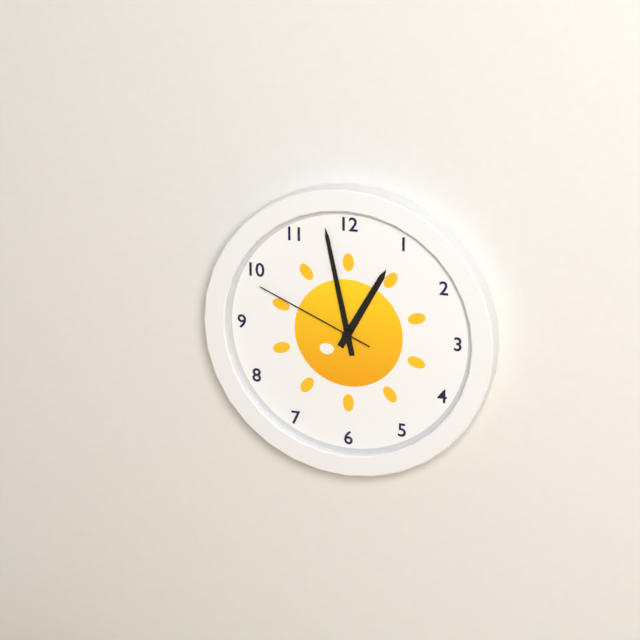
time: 12:58:49
